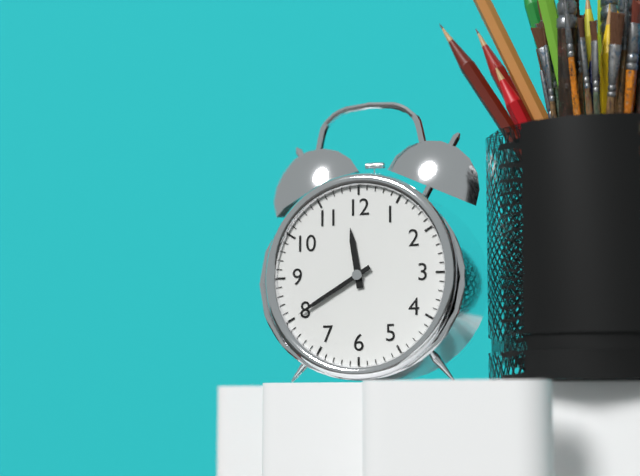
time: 11:40
